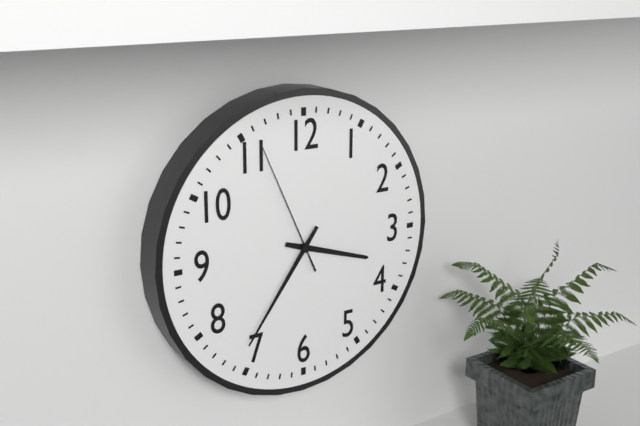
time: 3:36:56
